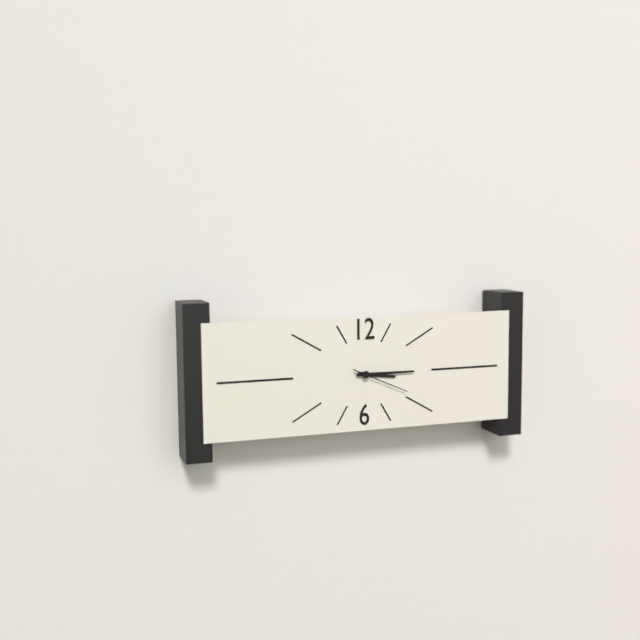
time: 3:15:19
